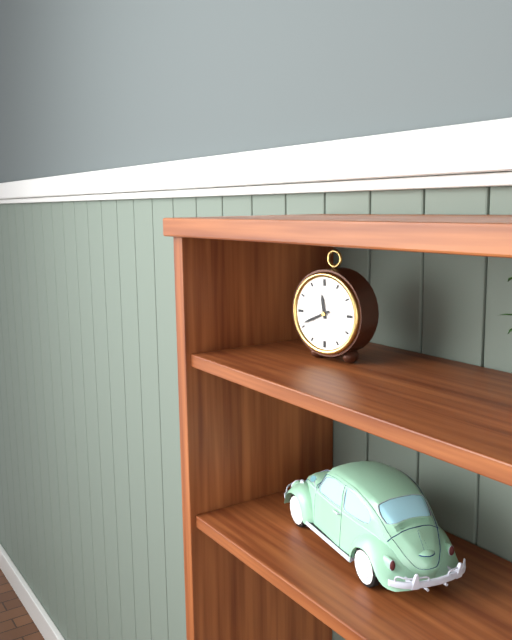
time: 11:41
